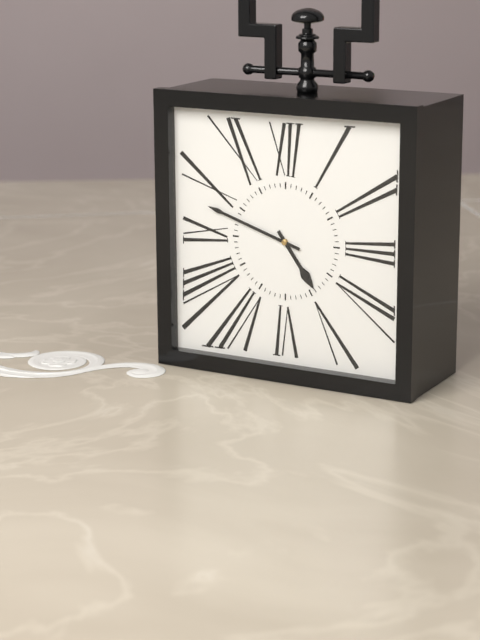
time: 4:48
